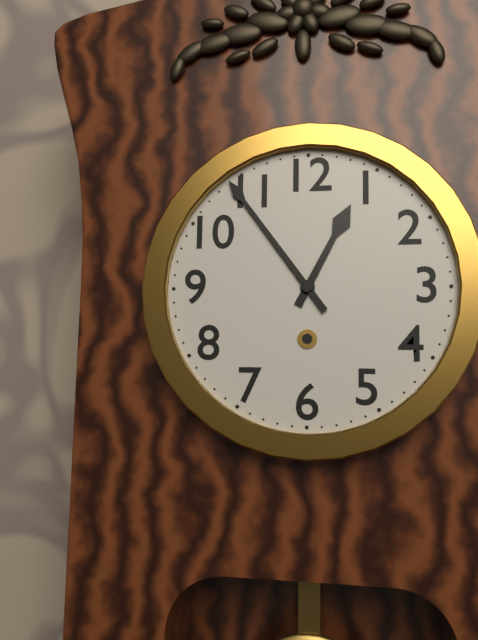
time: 12:54
